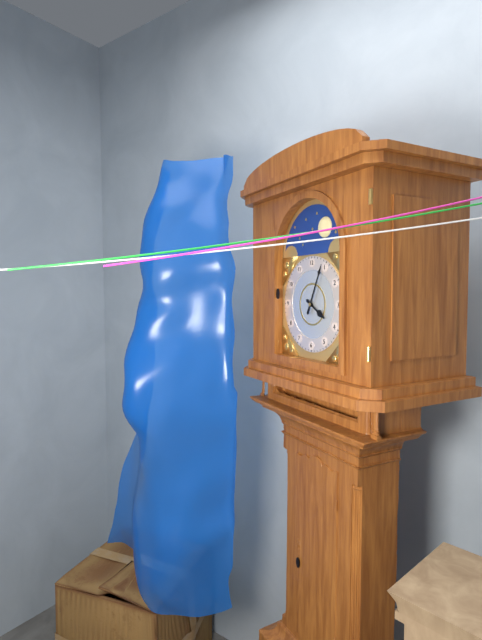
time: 4:04
